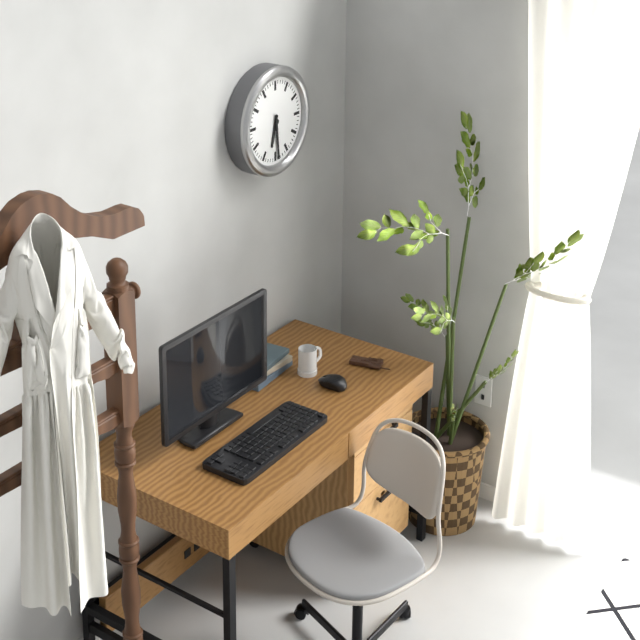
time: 6:29
